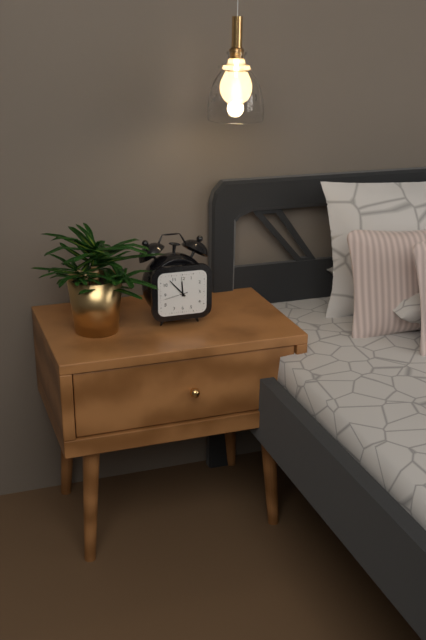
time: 11:53
